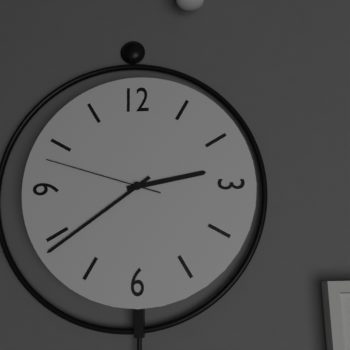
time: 2:39:48
